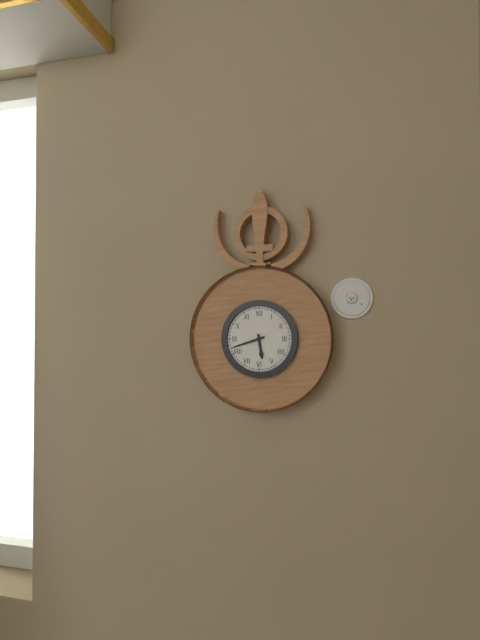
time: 5:42
